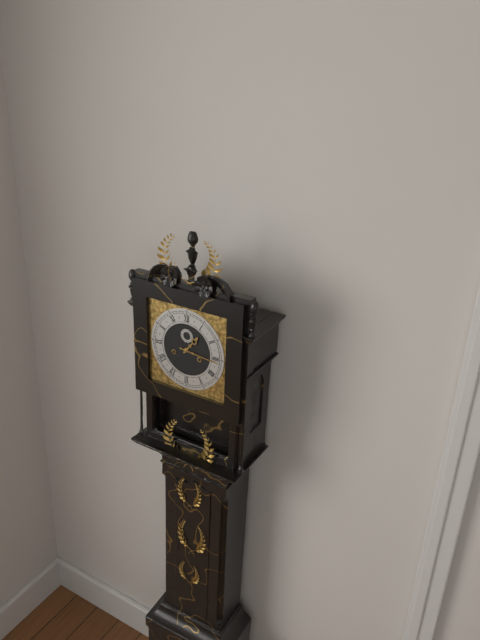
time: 1:16
